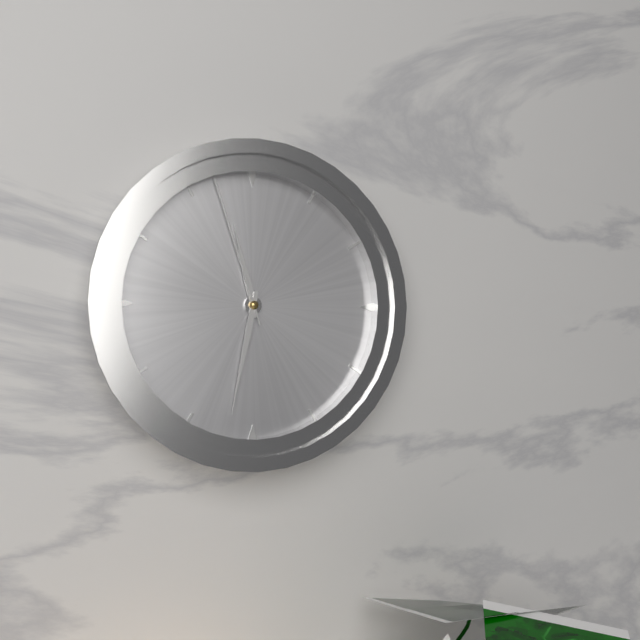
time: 11:32:57
